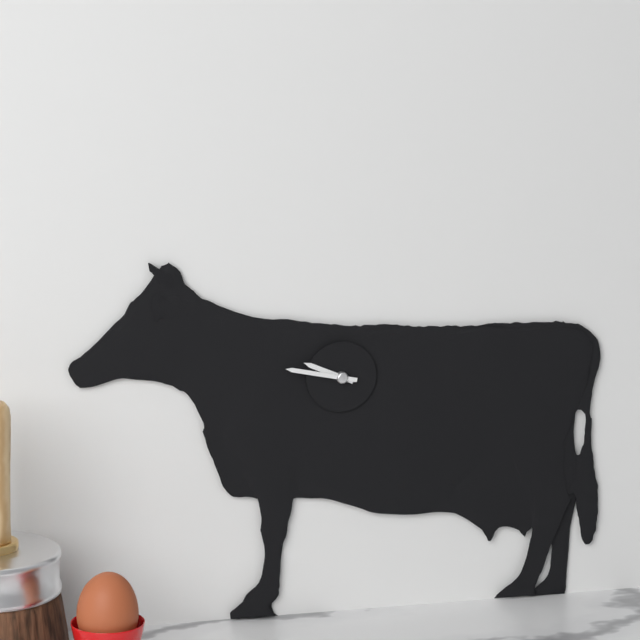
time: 9:47
